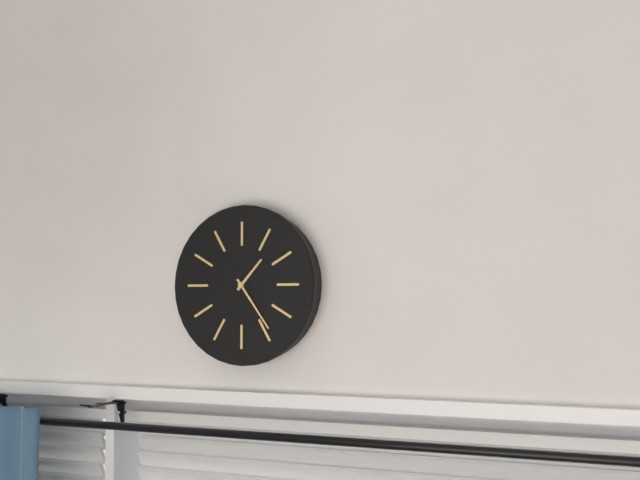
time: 1:24
